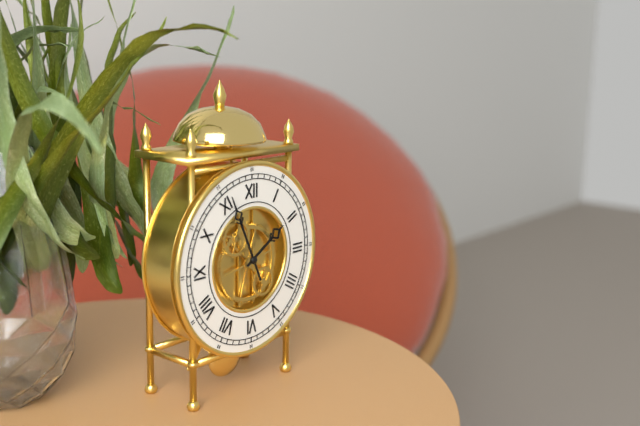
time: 1:56
